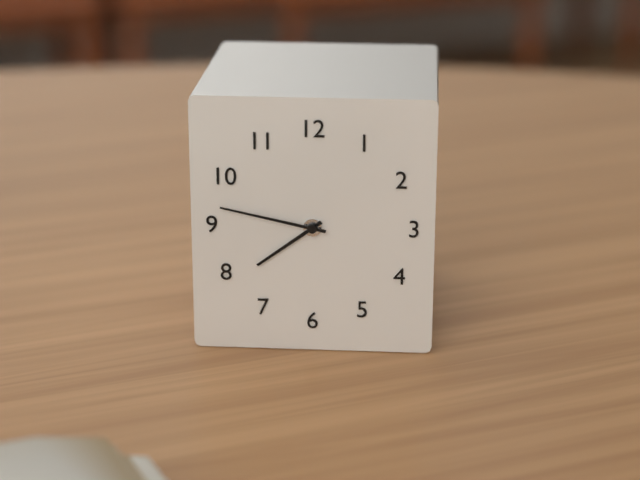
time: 7:47
